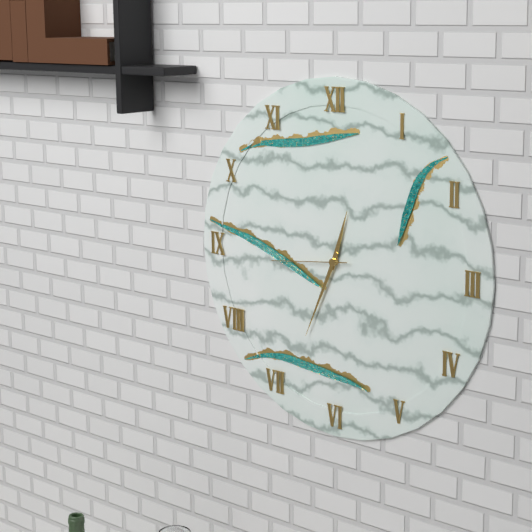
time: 12:34:44
